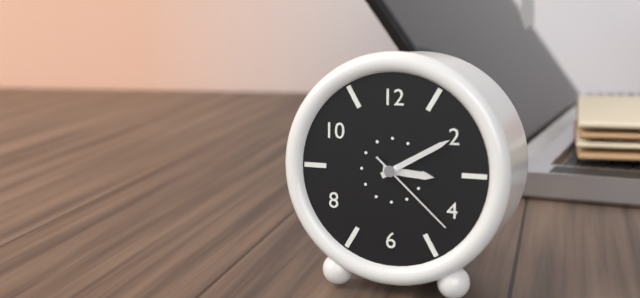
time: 3:10:22
